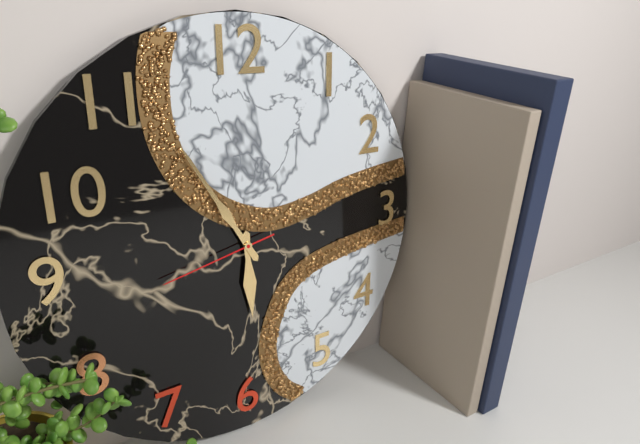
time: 5:55:43
